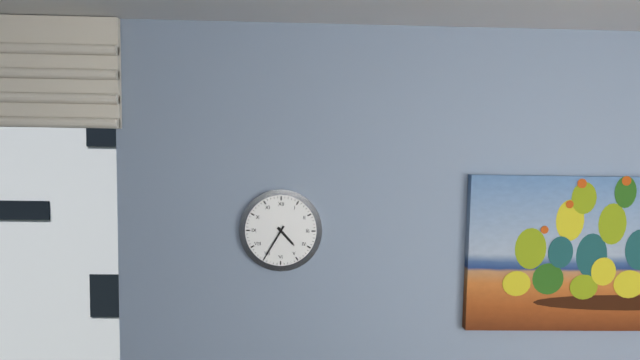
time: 4:35
